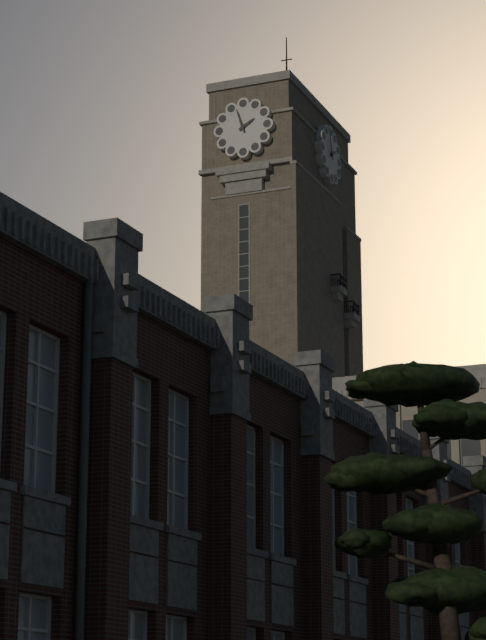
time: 1:57
